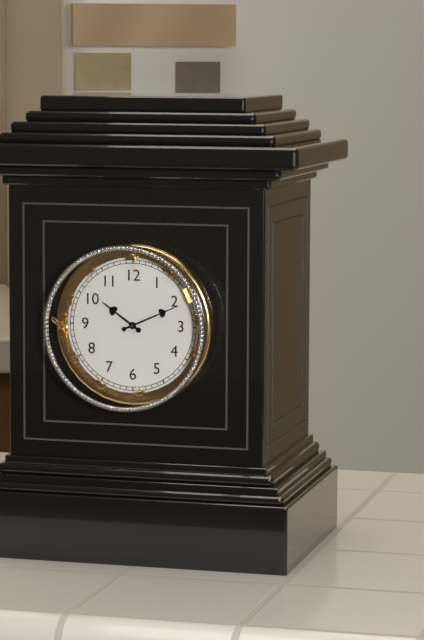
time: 10:11
